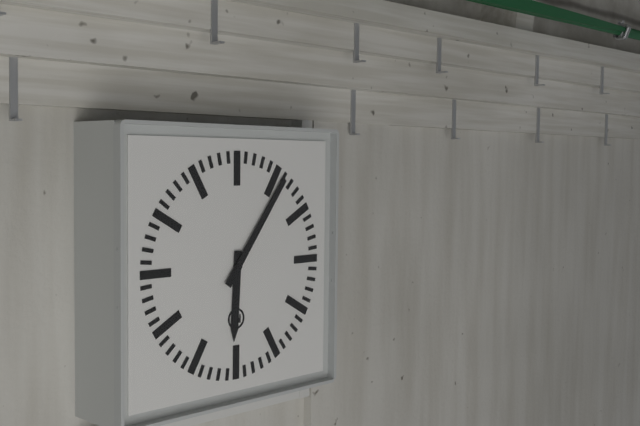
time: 6:06
